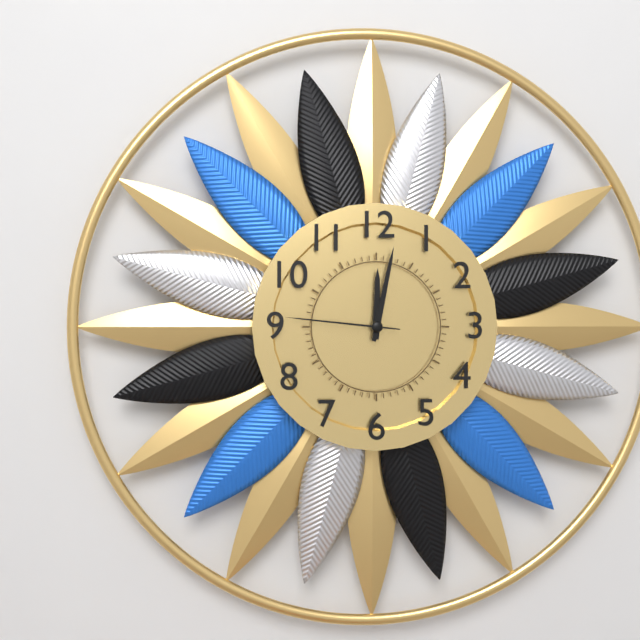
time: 12:02:46
